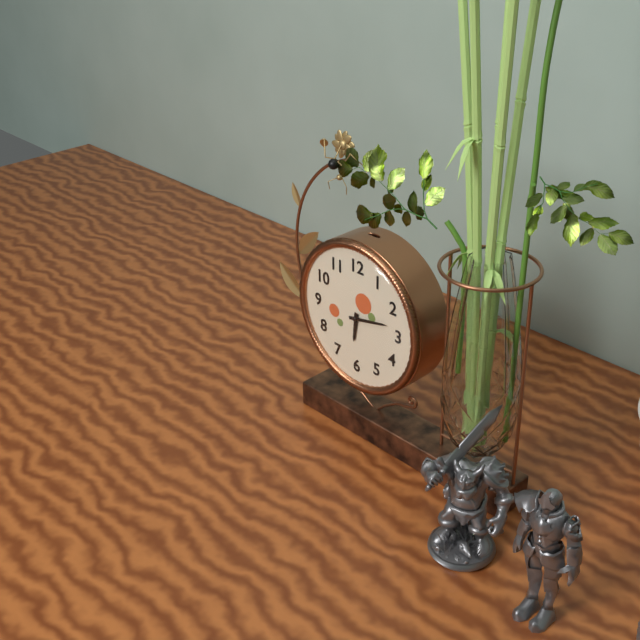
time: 6:13
